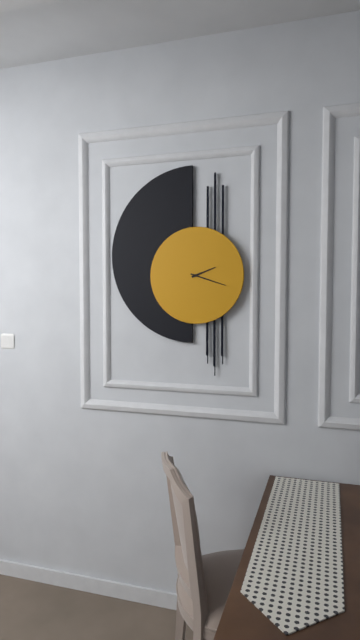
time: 2:18
